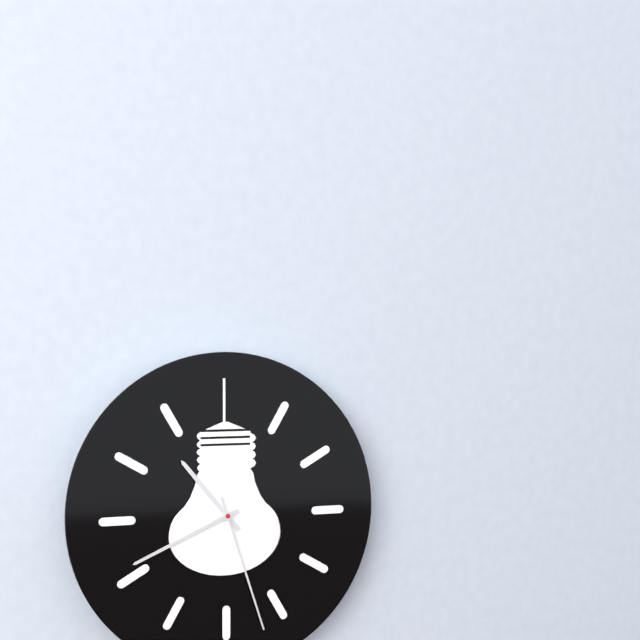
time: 10:41:27
